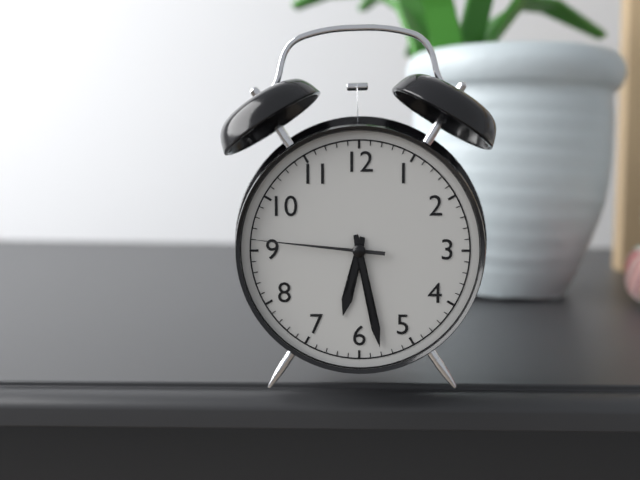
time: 6:28:46
